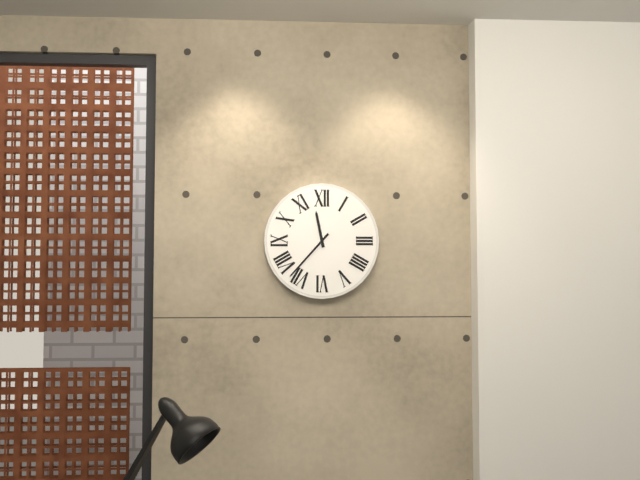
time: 11:37
